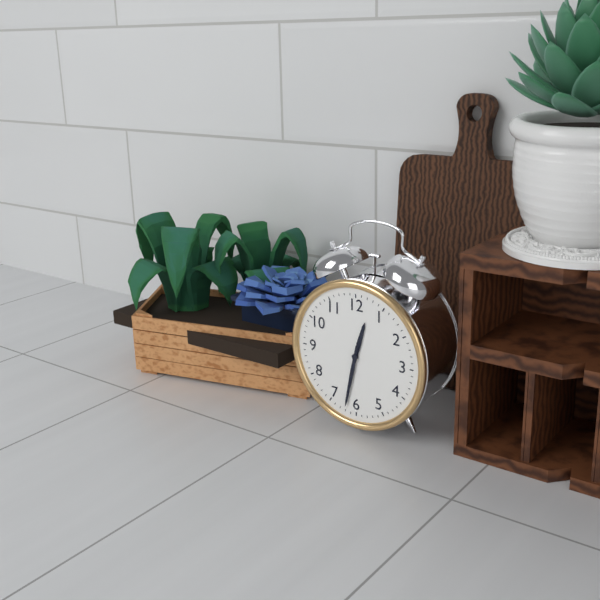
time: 12:32
